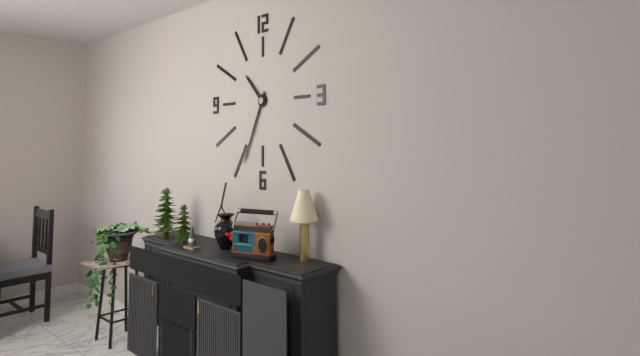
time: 10:34
